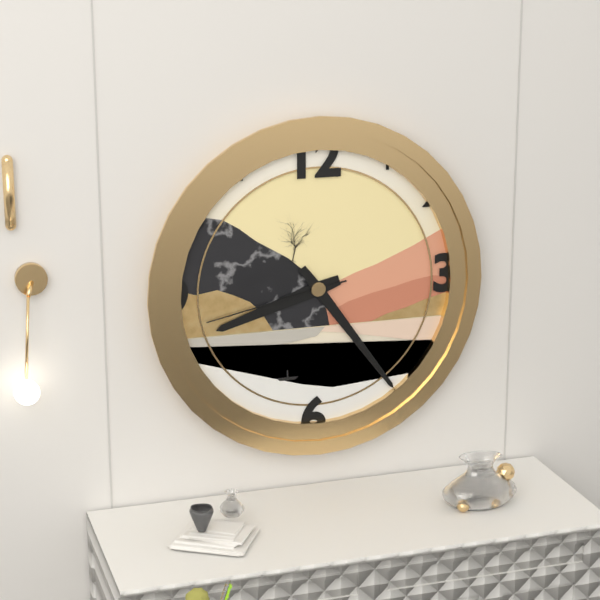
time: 8:24:43
